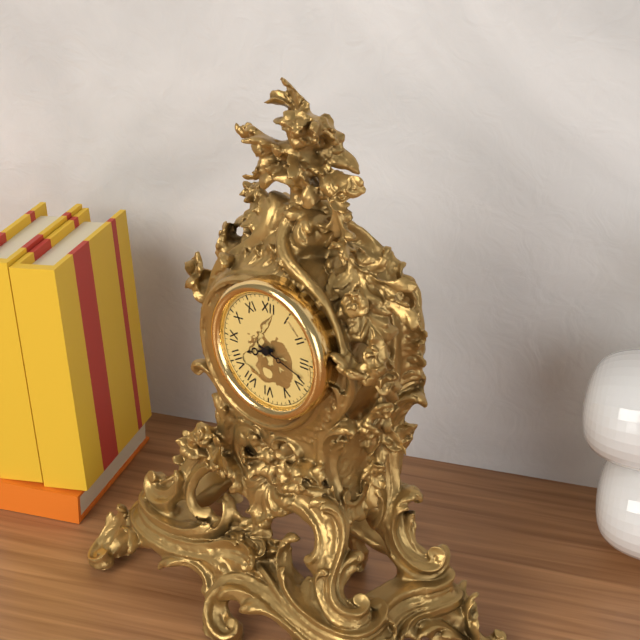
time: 8:18
